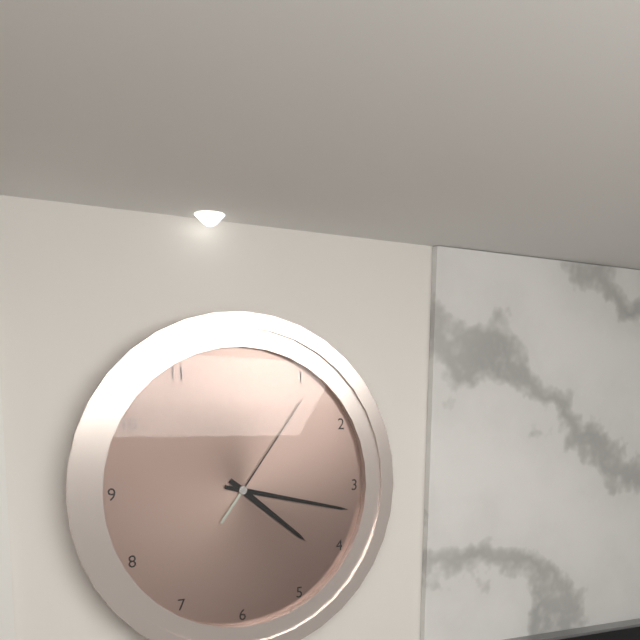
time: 4:17:06
